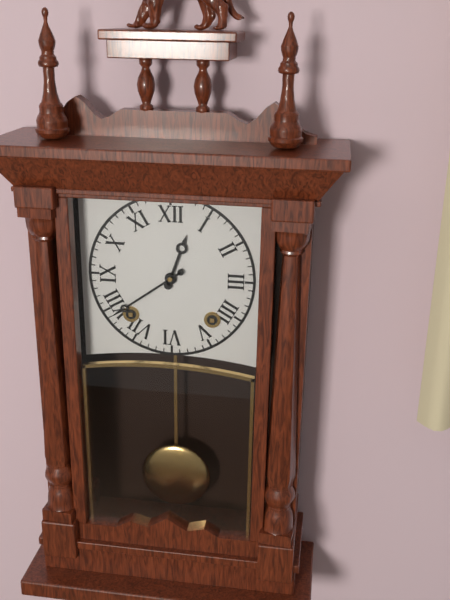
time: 12:39
